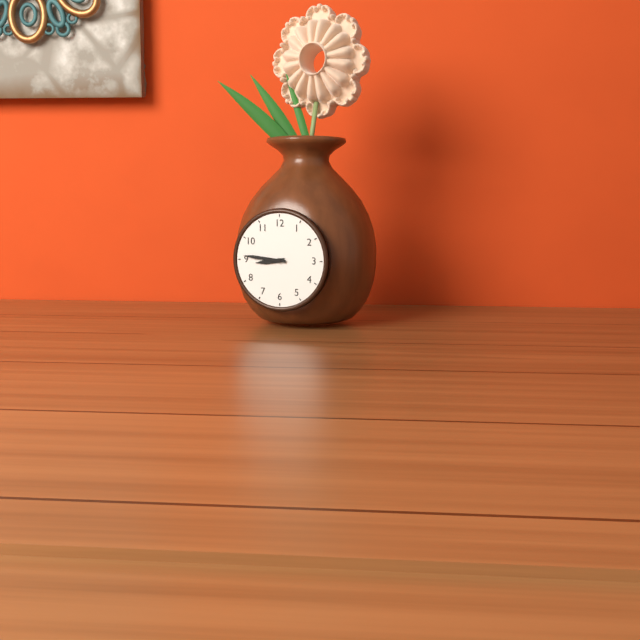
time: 8:46
